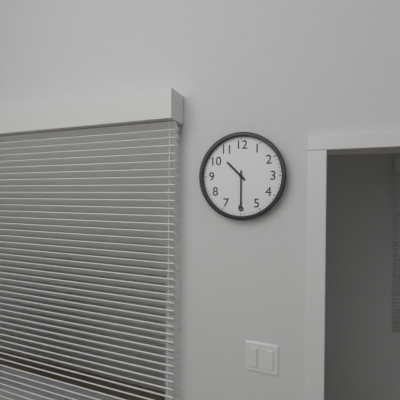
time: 10:30
